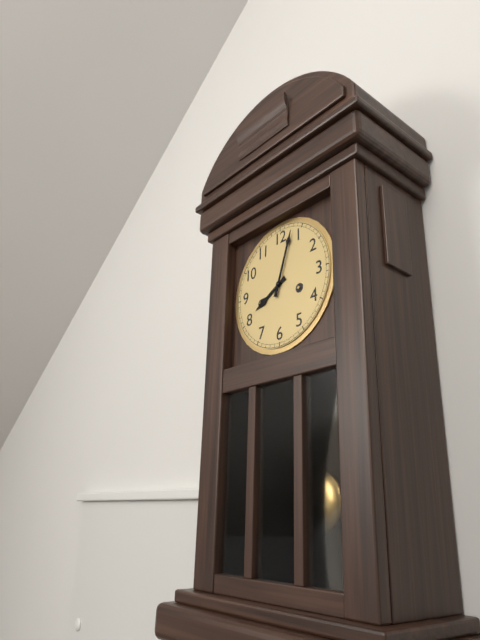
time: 8:03
